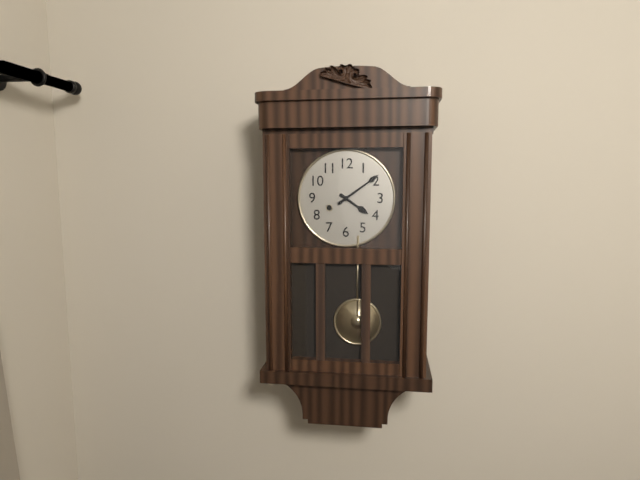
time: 4:09
